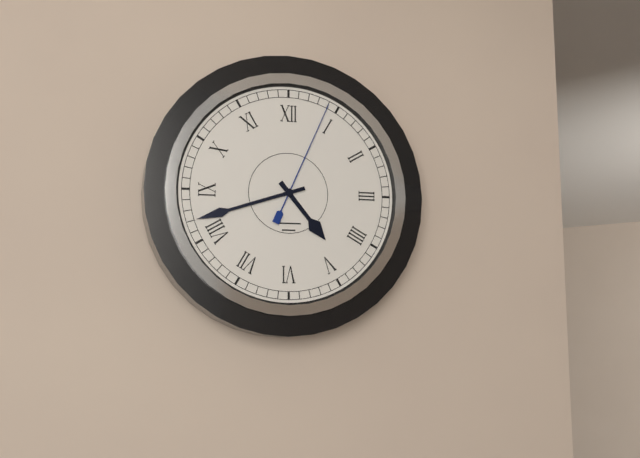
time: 4:42:04
